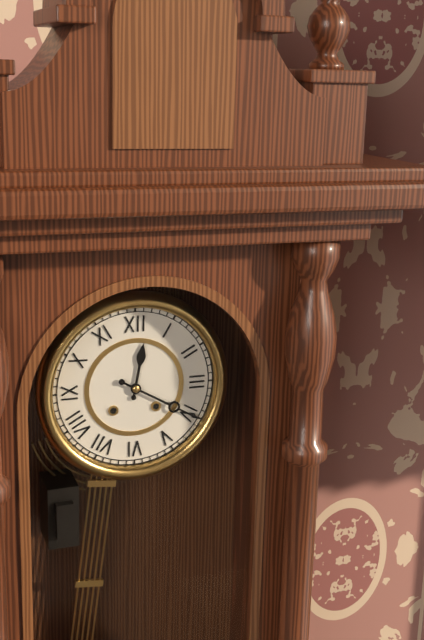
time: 12:20
